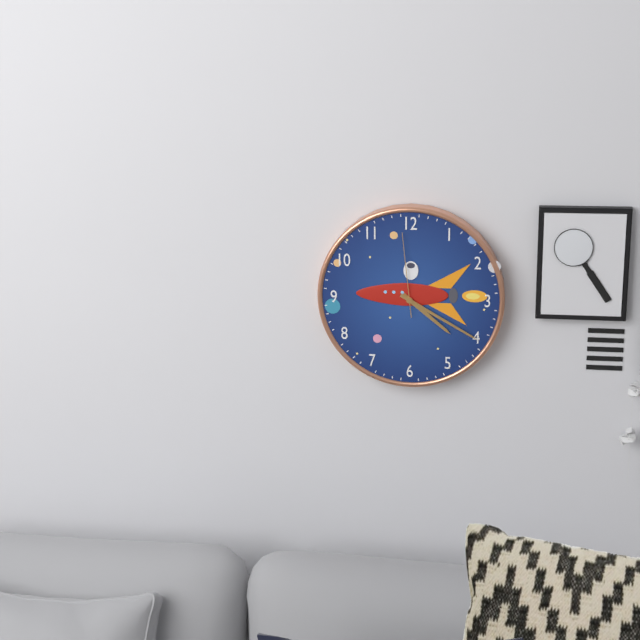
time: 4:20:59
